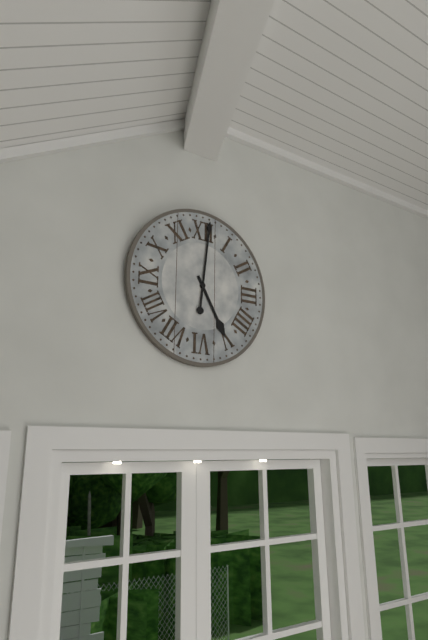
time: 5:01
